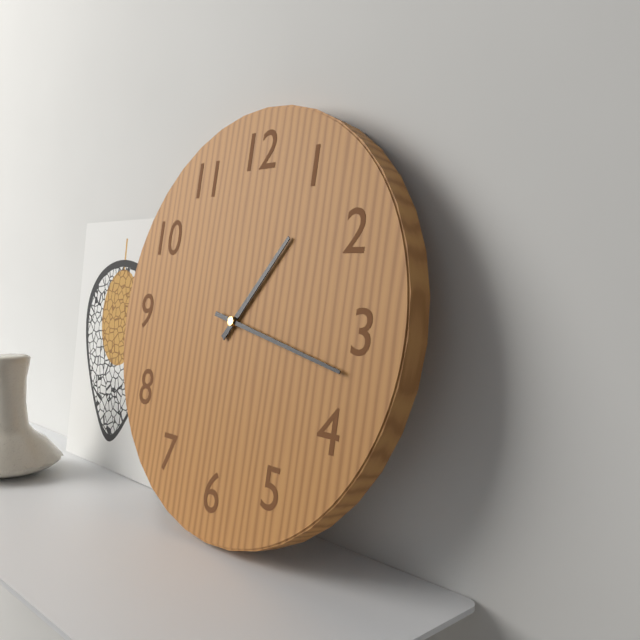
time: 1:17
